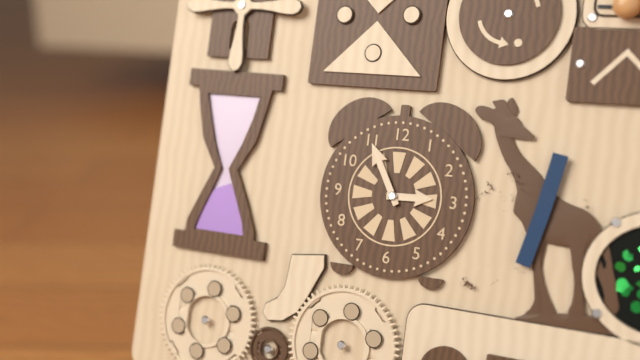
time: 2:55
